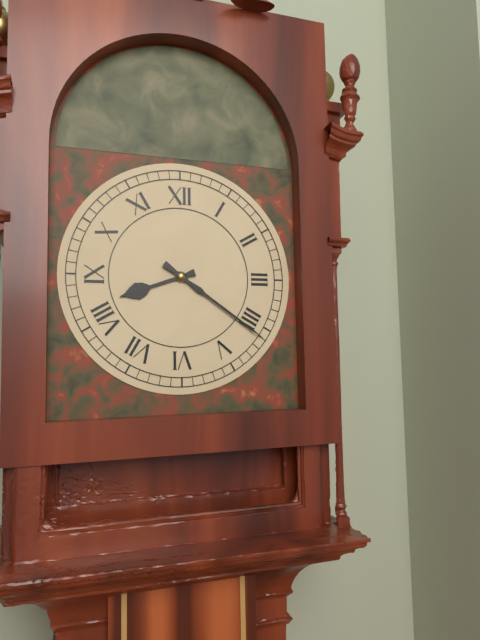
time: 8:21
